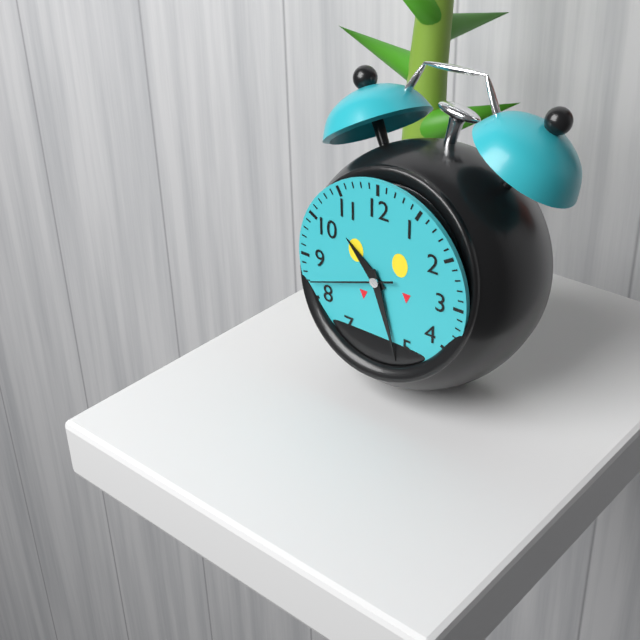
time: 10:27:42
